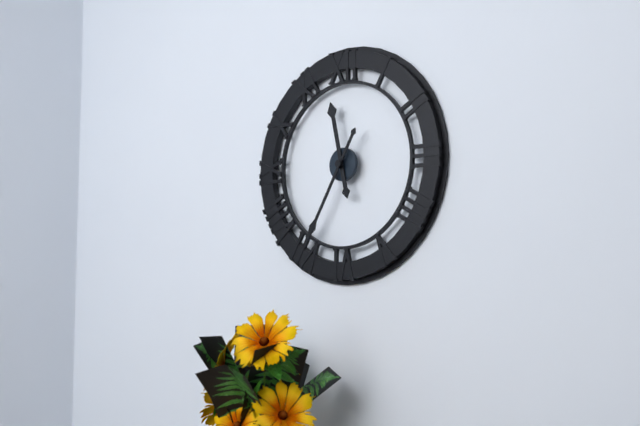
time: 11:35
